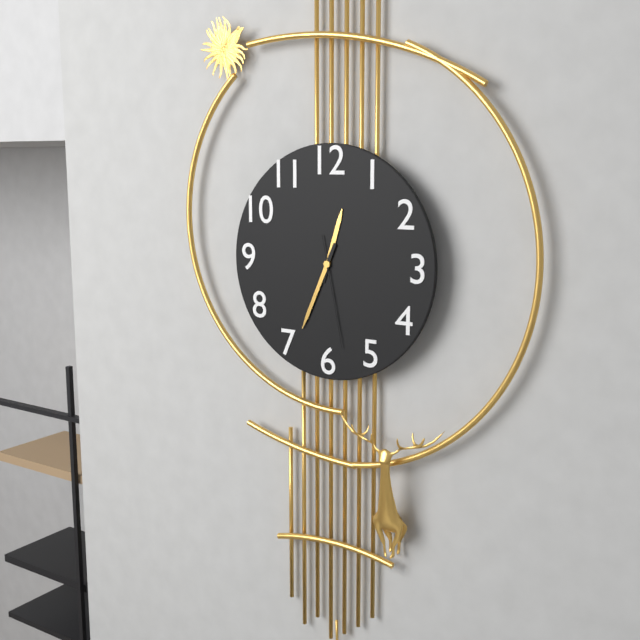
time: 12:34:28
